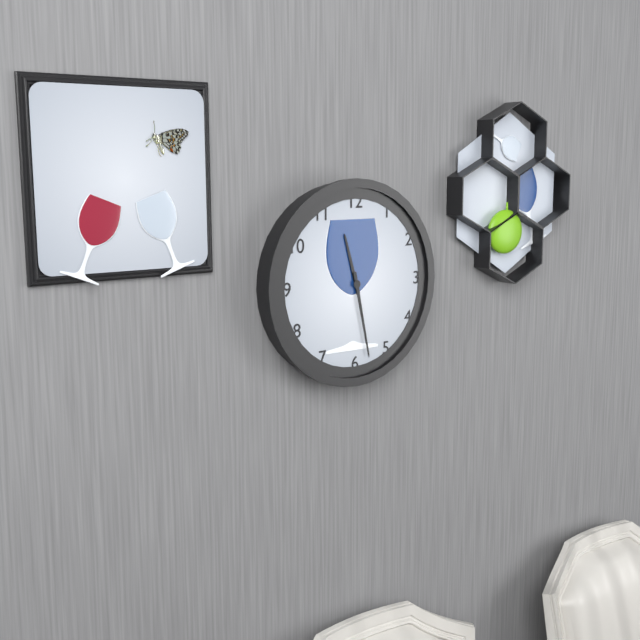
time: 11:28
